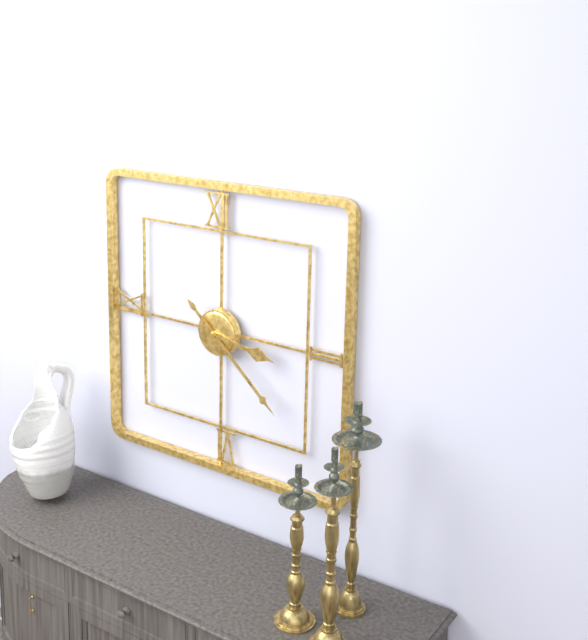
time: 3:22
